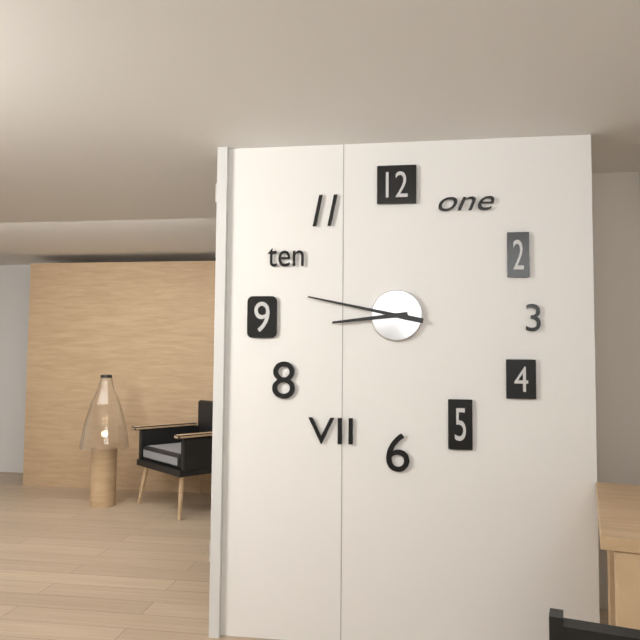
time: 8:47
